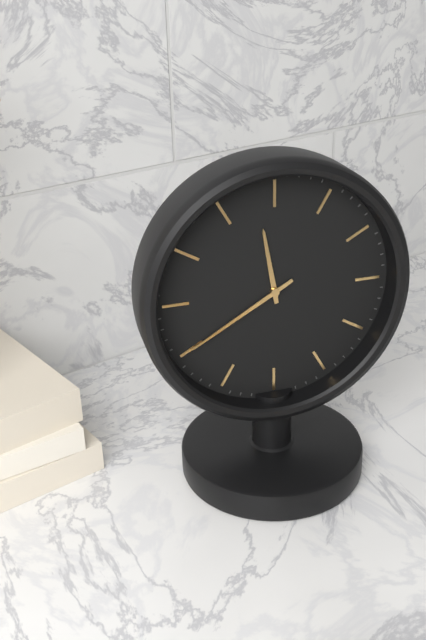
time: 11:40
